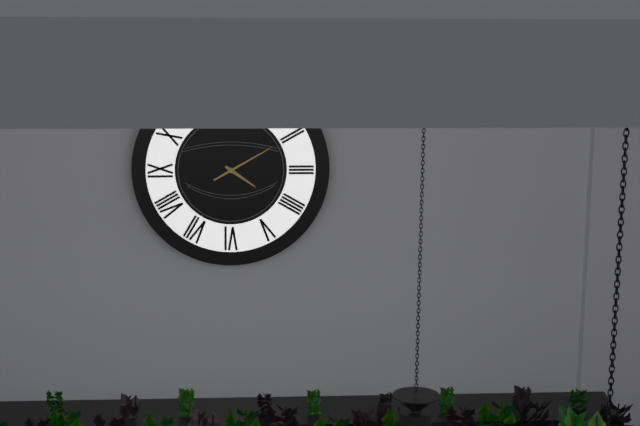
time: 4:10
